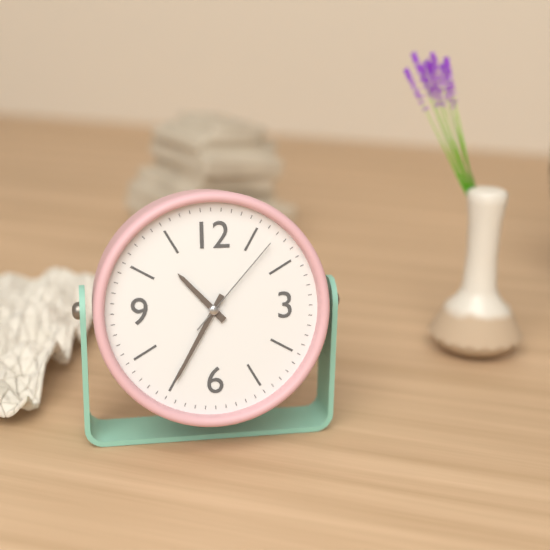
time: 10:35:07
